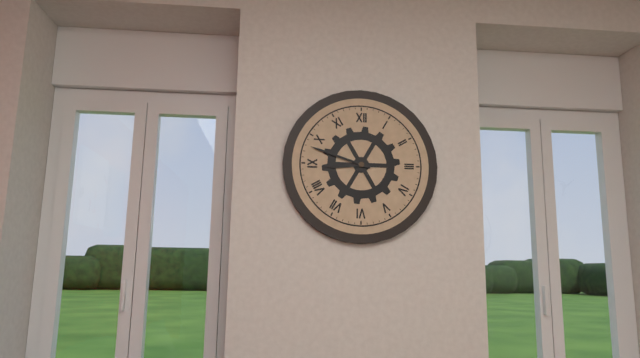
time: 8:48
